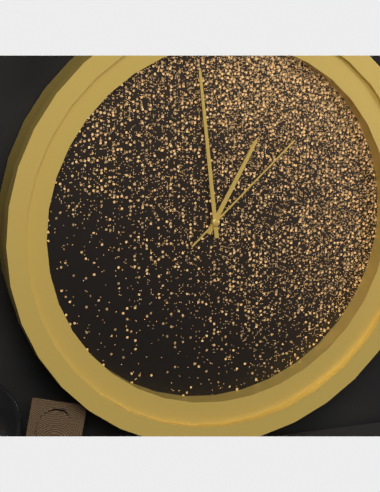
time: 12:59:08
